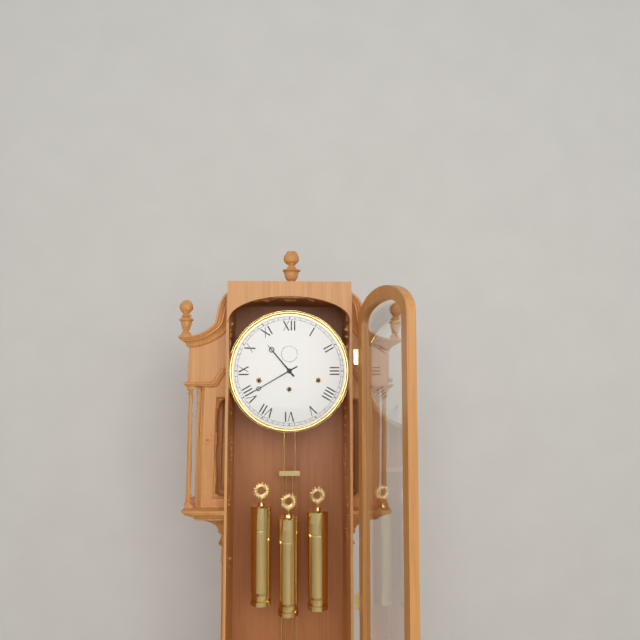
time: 10:40
